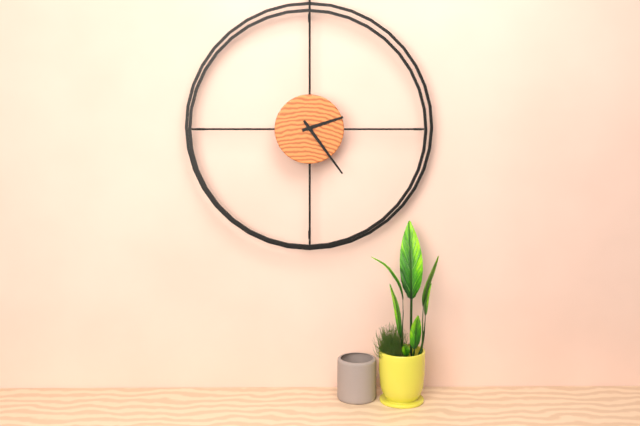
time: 2:24
